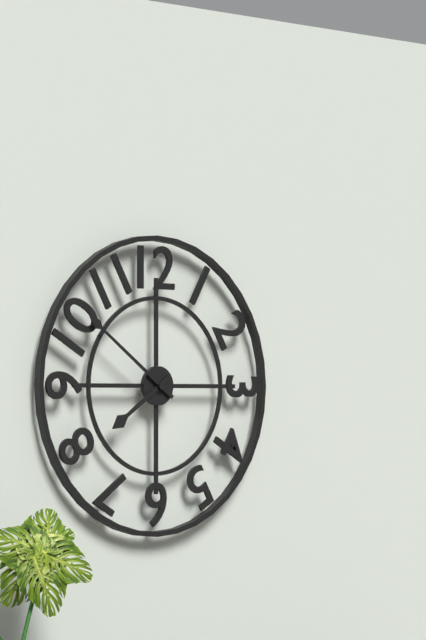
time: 7:51
